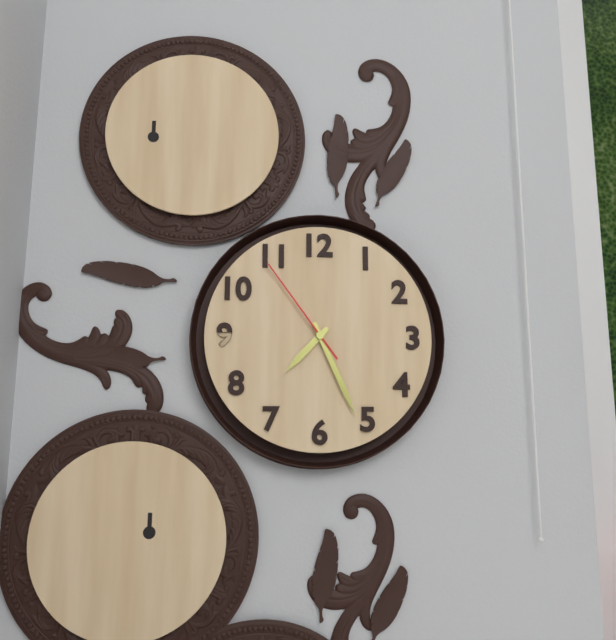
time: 7:26:54
